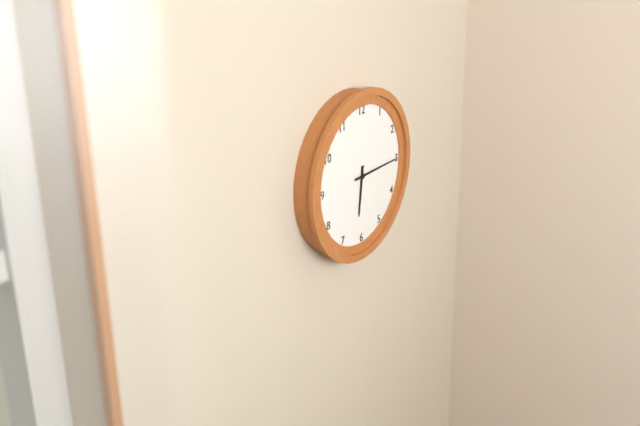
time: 6:15
